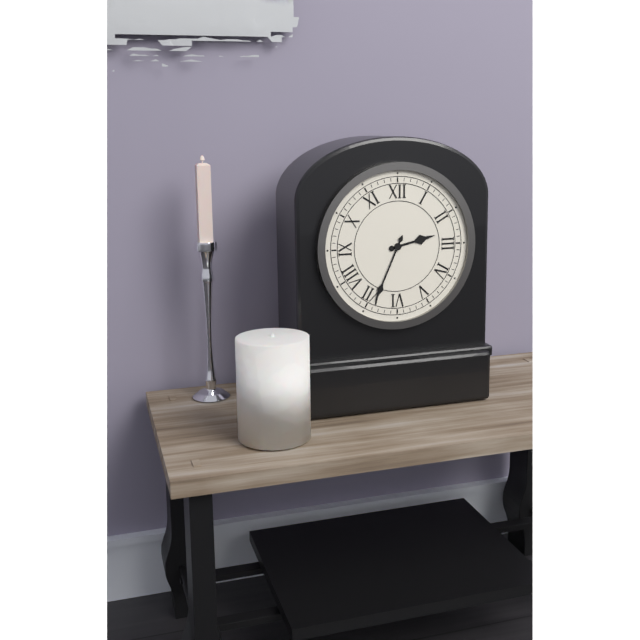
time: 2:34
